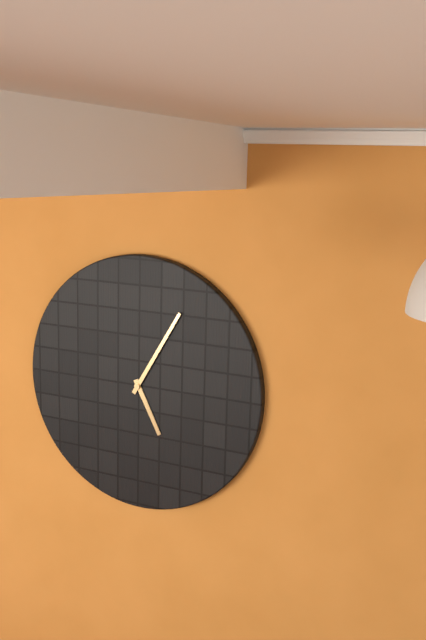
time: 5:05
